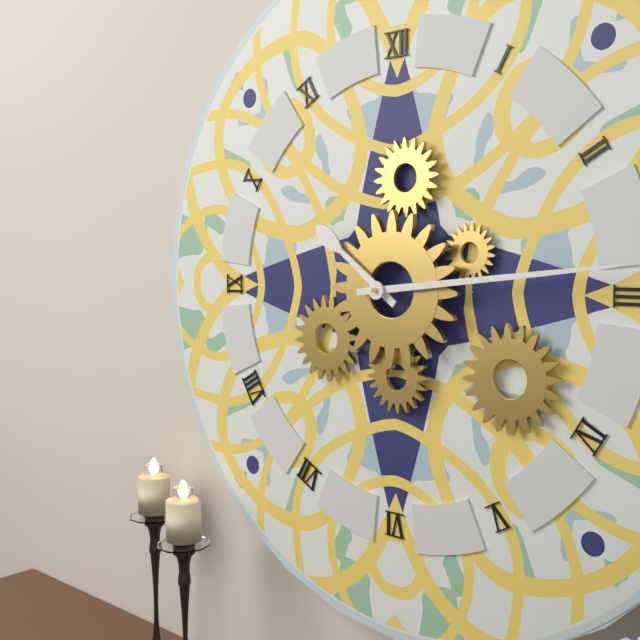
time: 10:14
